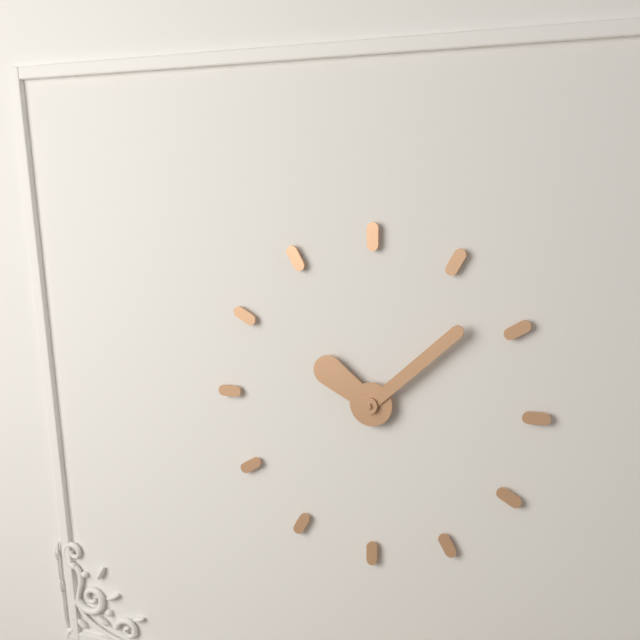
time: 10:08
